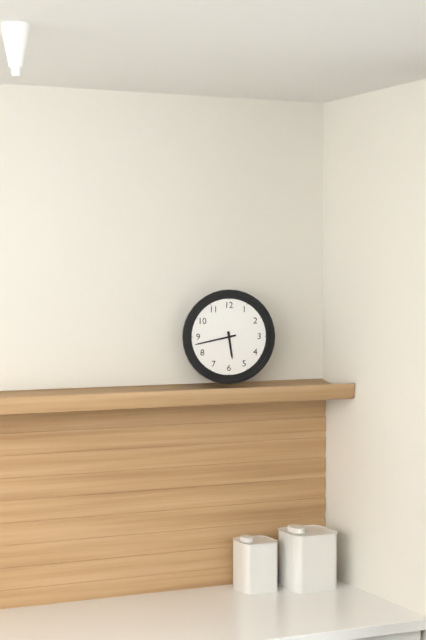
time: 5:43
